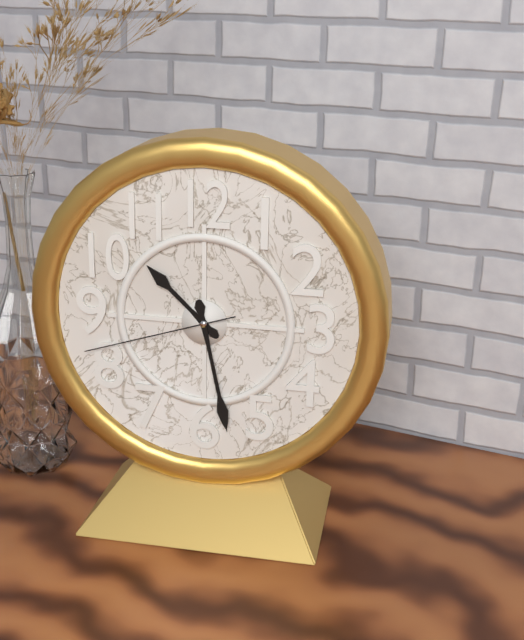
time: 10:28:42
